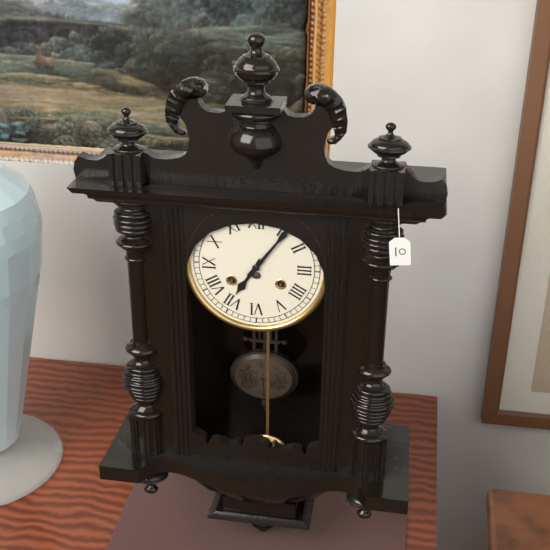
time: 7:06
